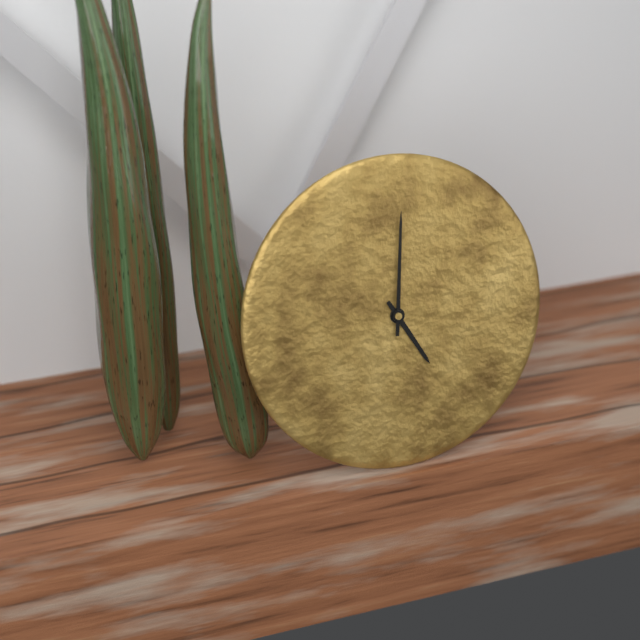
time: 5:01
